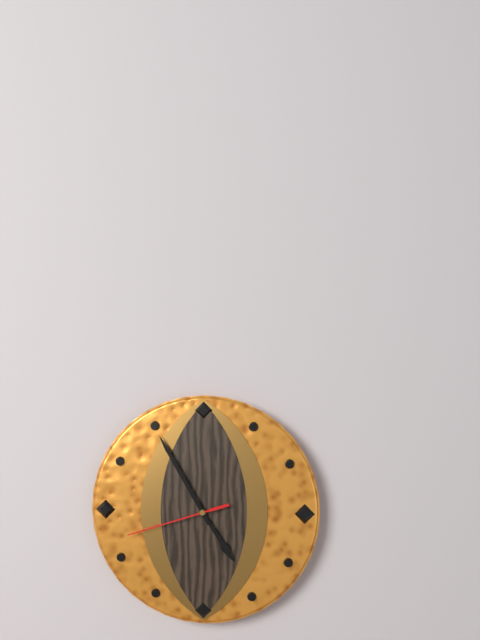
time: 4:55:42
